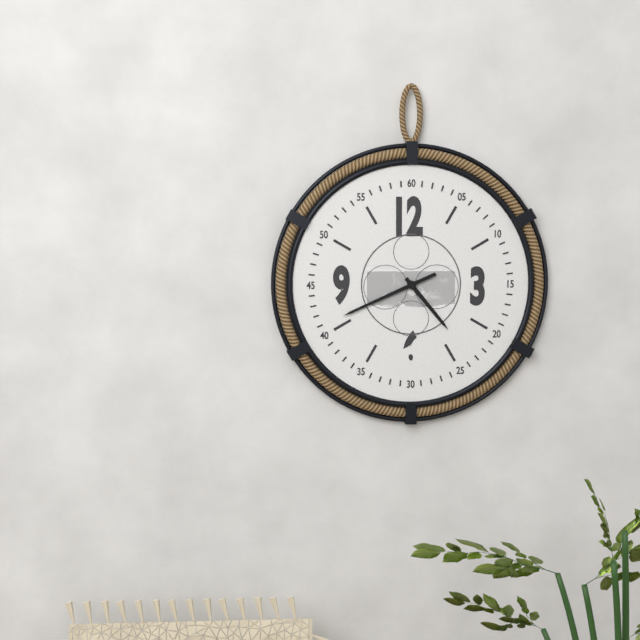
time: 4:41
